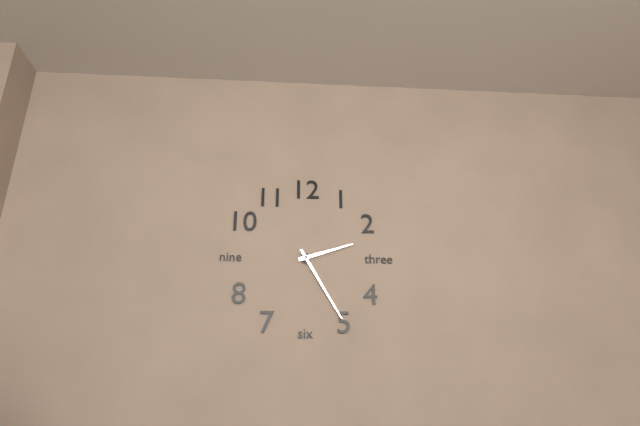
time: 2:25
